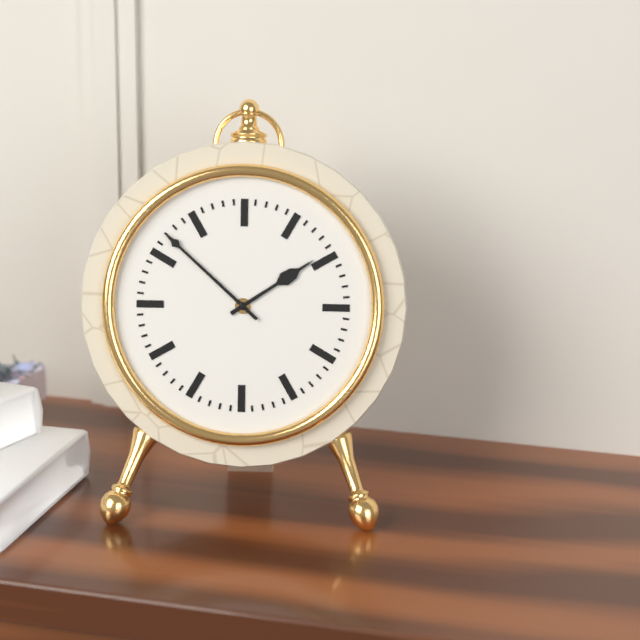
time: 1:52
